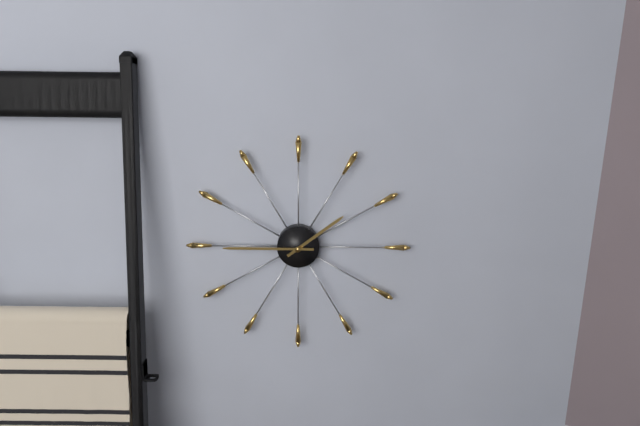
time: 1:45
